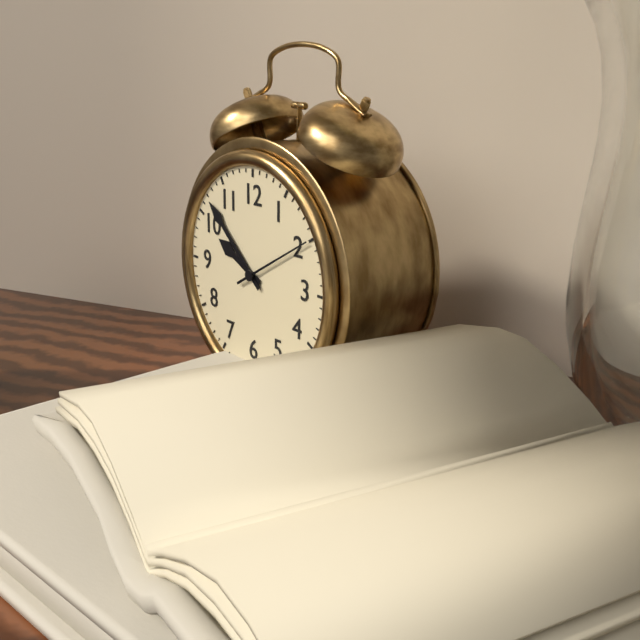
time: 9:52:10
